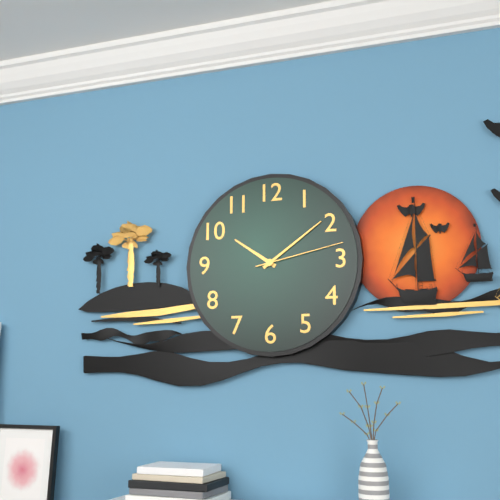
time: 10:09:13
